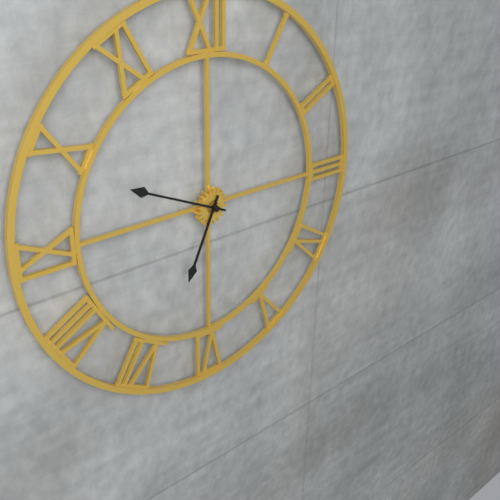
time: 6:49
